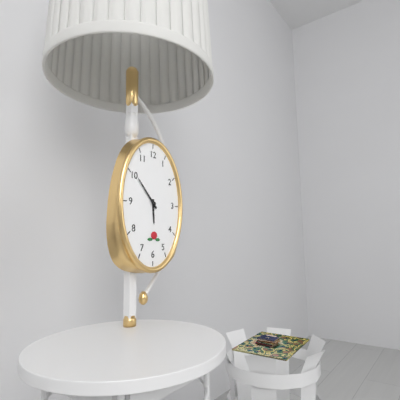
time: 5:53
